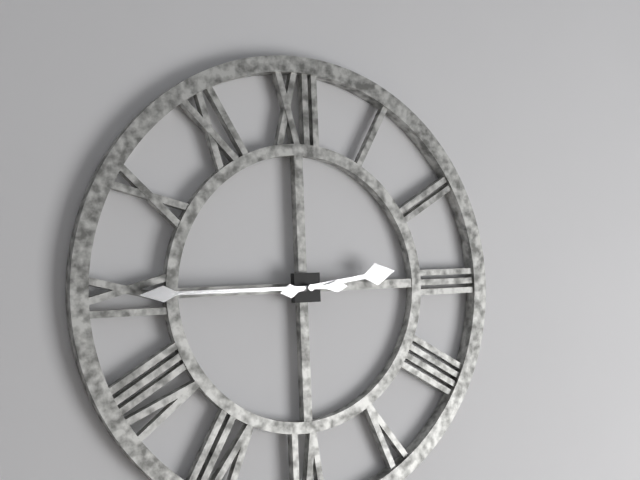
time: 2:45
